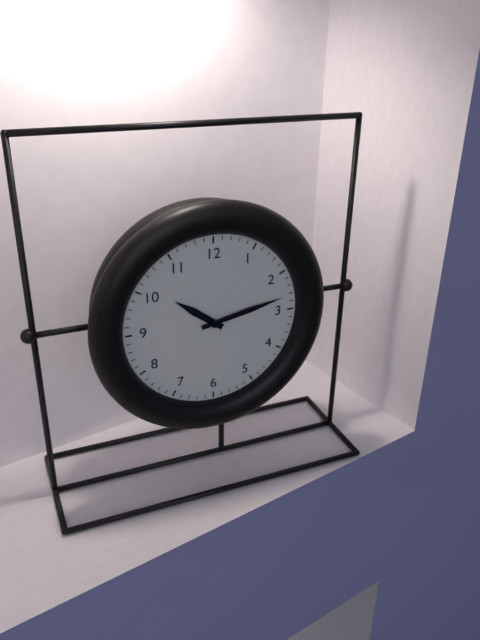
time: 10:13
